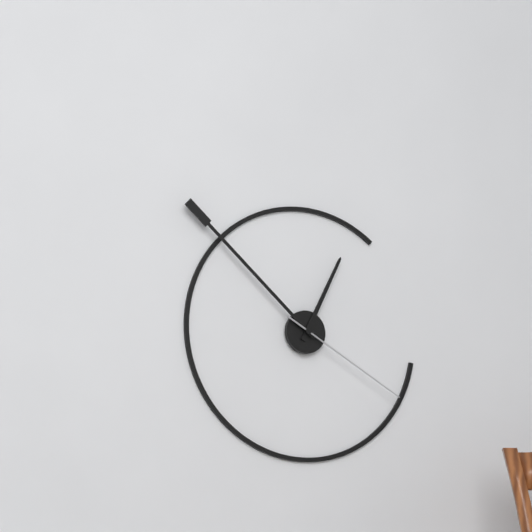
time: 12:52:20
